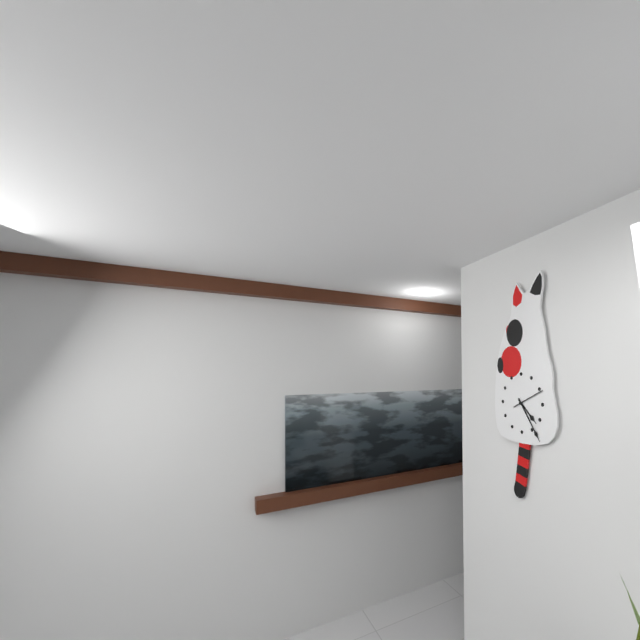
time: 4:24
